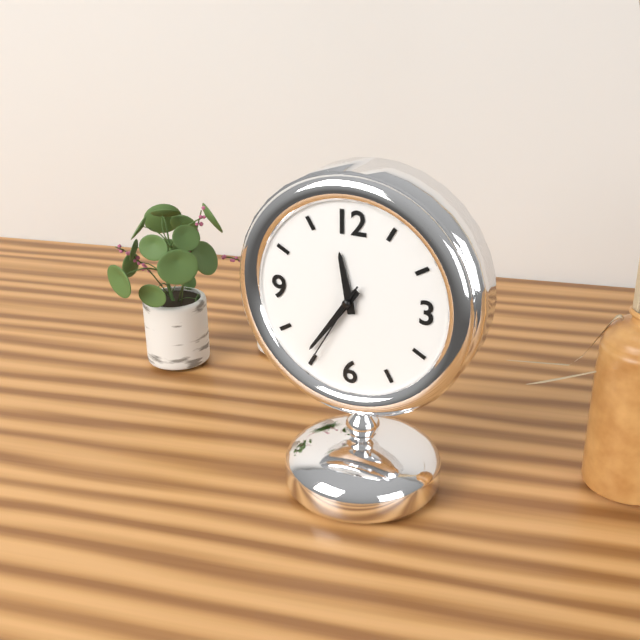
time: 11:36:35
